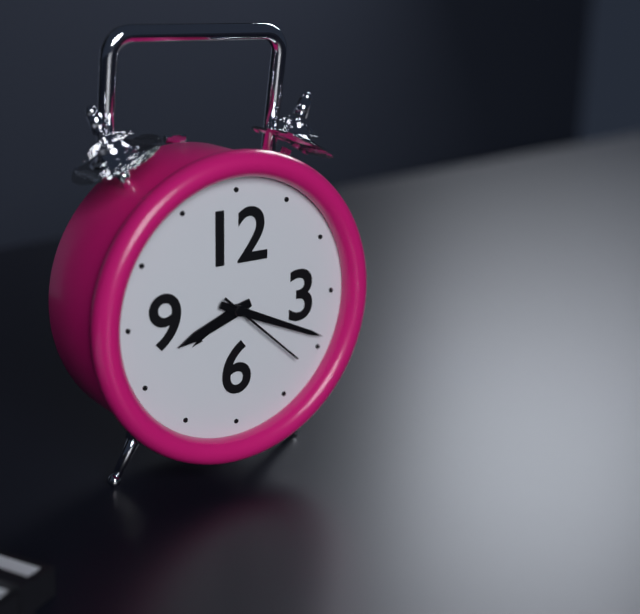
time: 8:19:22
